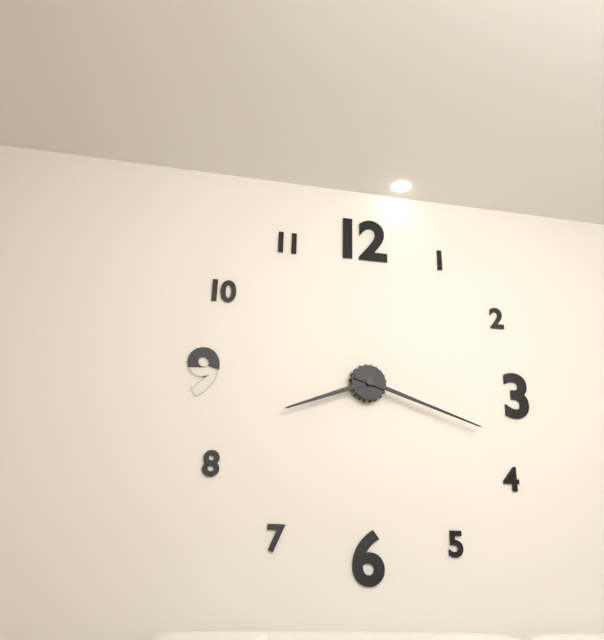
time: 8:18
